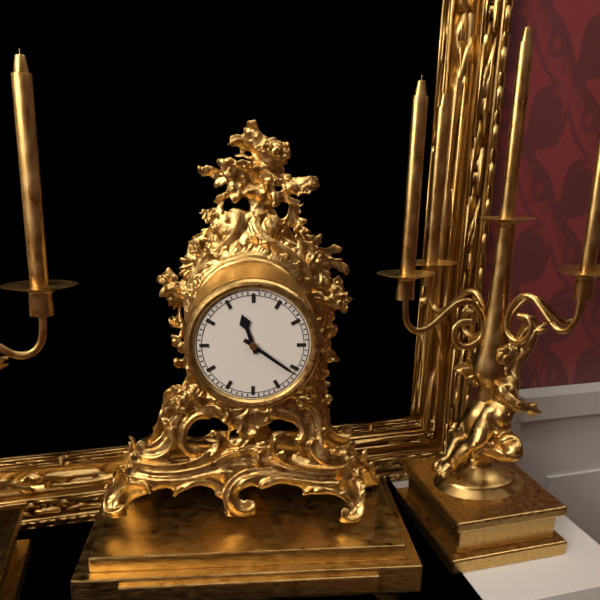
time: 11:21
